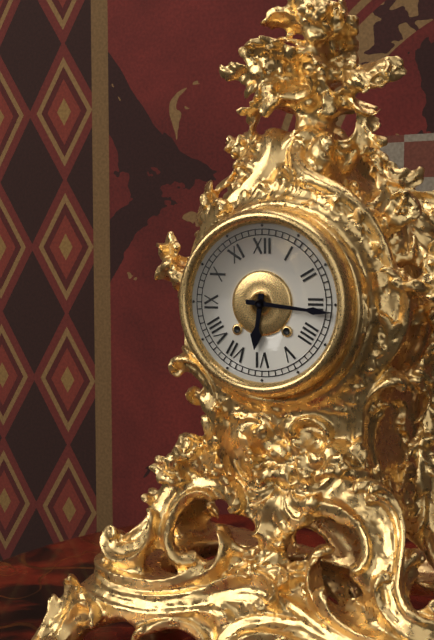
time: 6:16
